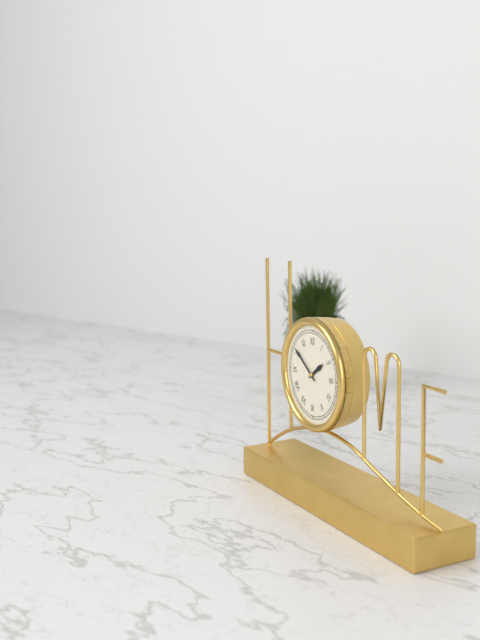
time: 1:51
